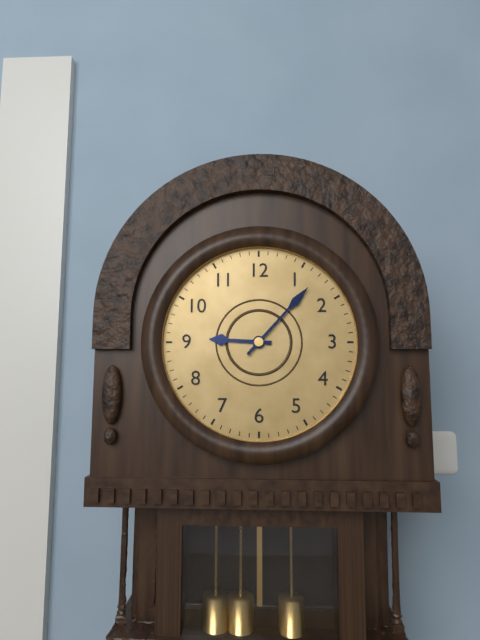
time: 9:07
